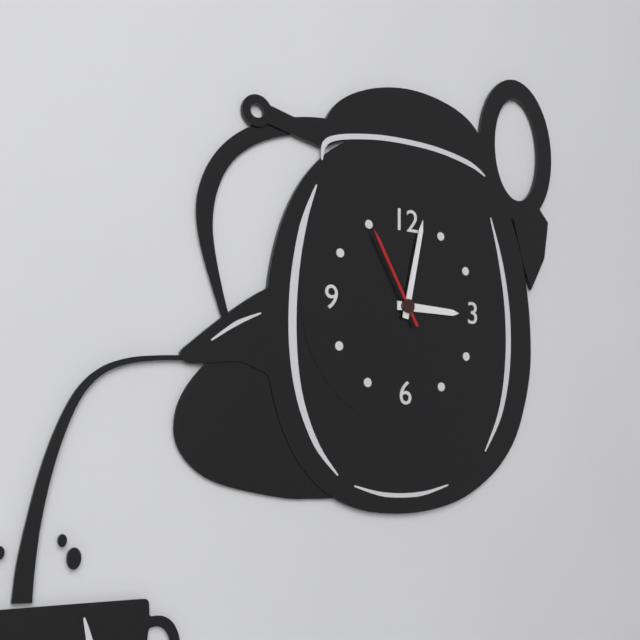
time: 3:02:55
